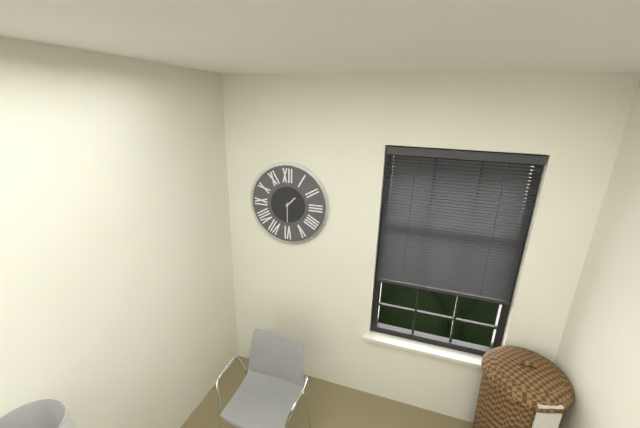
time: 1:30
